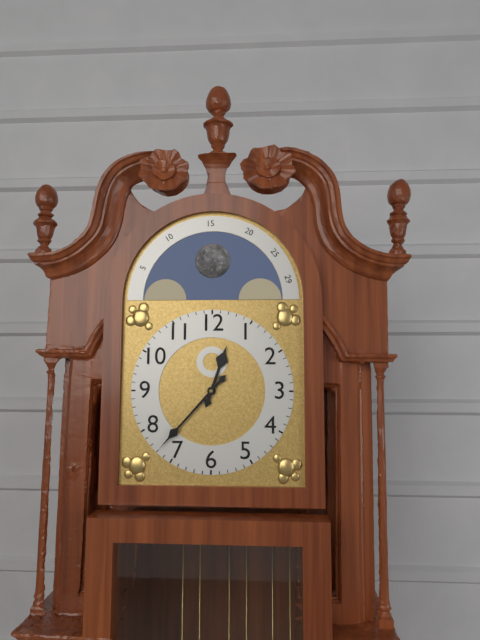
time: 12:37
